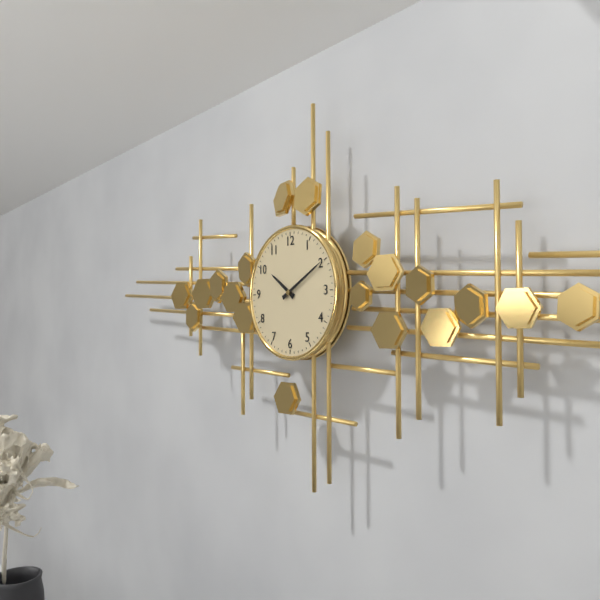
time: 10:10
